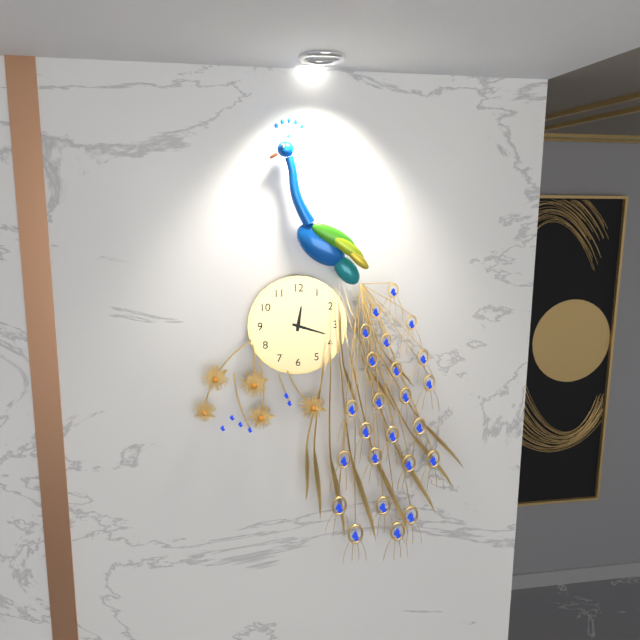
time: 12:18
